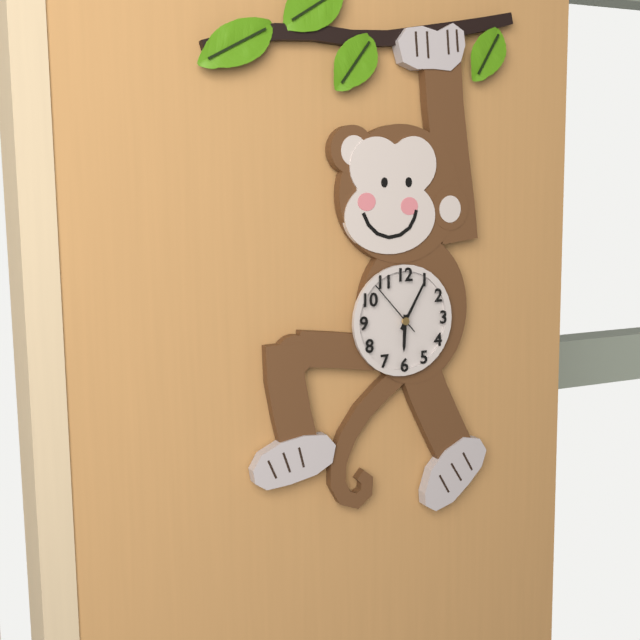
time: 6:05
